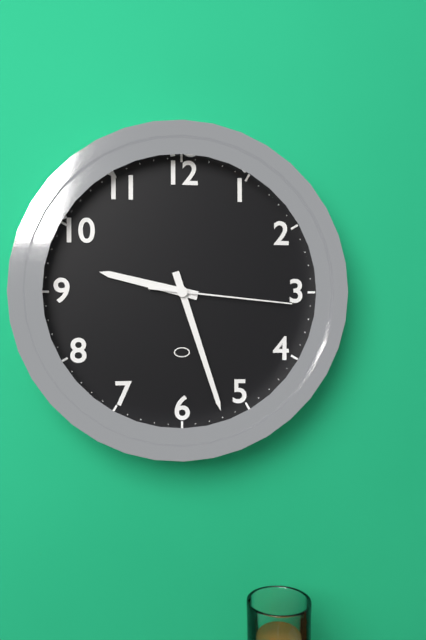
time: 9:27:16
